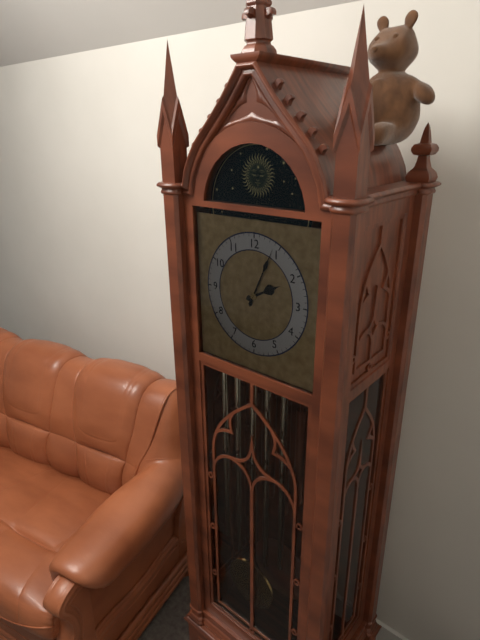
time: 2:04
